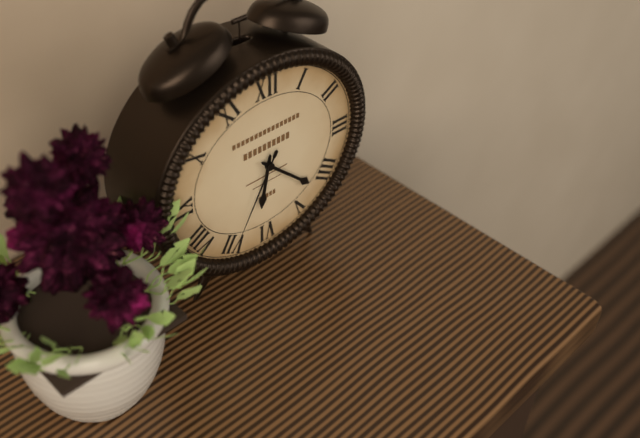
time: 6:22:35
